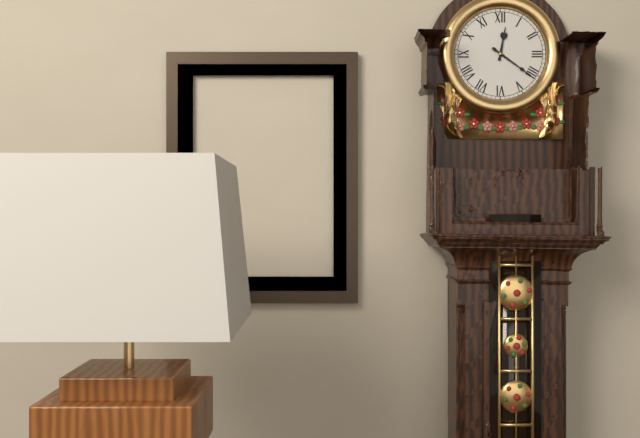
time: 12:21
